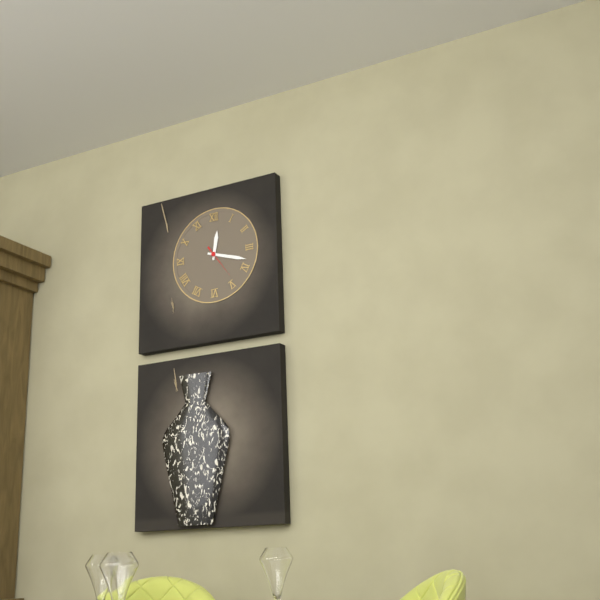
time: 12:18
